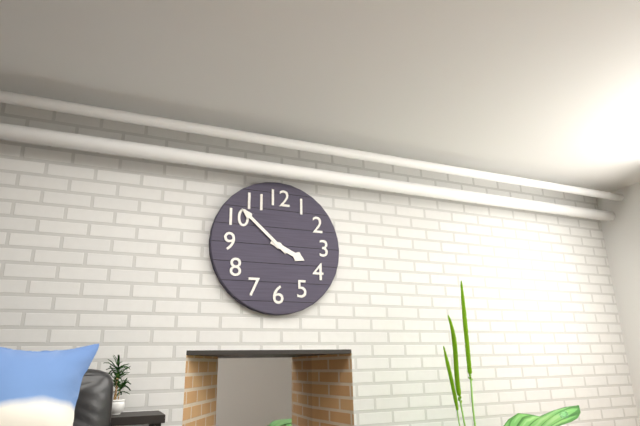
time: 3:52
